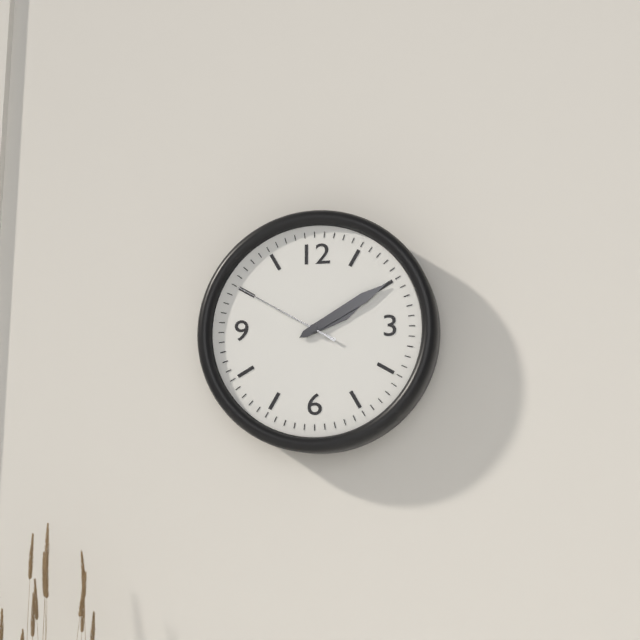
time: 2:10:50
